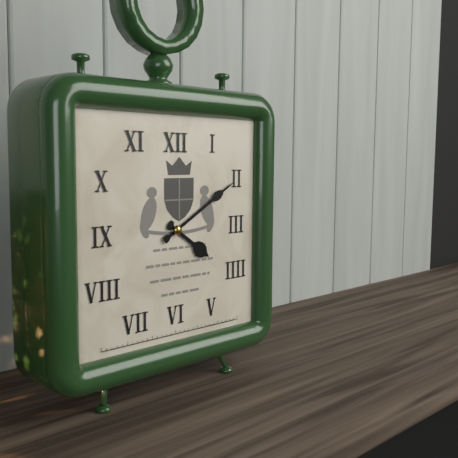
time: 4:10
